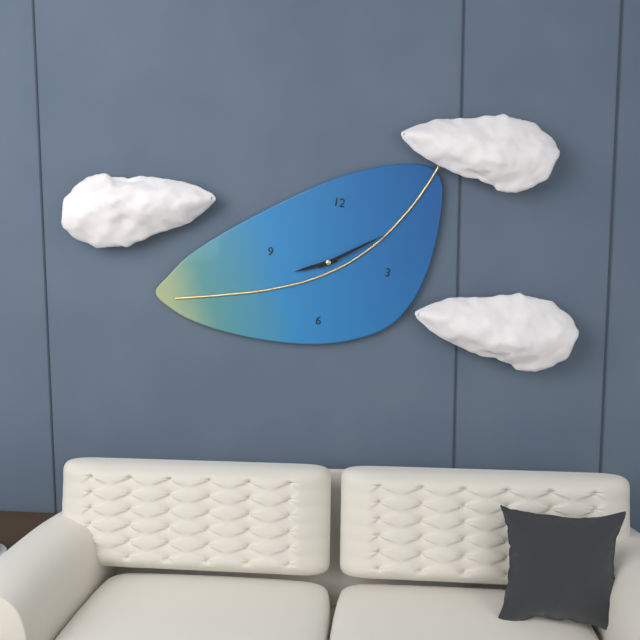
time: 8:09
